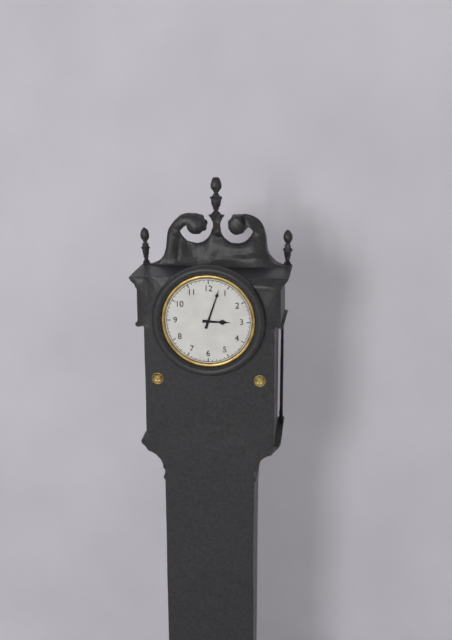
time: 3:03
